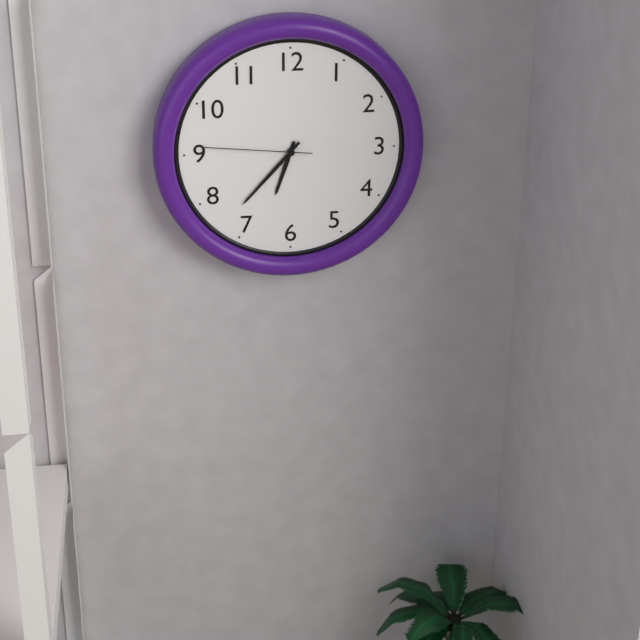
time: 6:37:46
